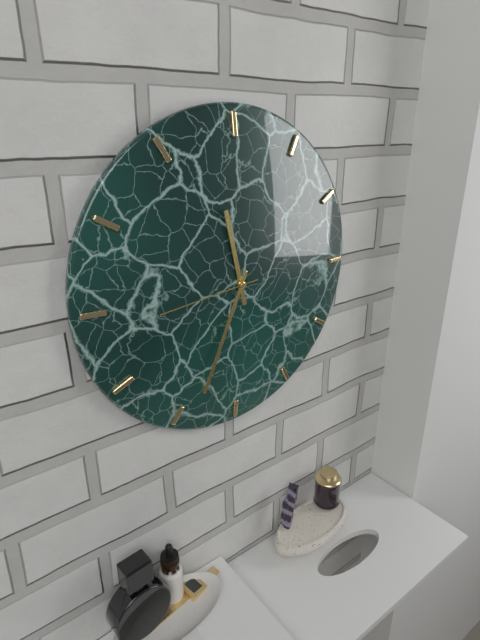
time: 11:34:44
